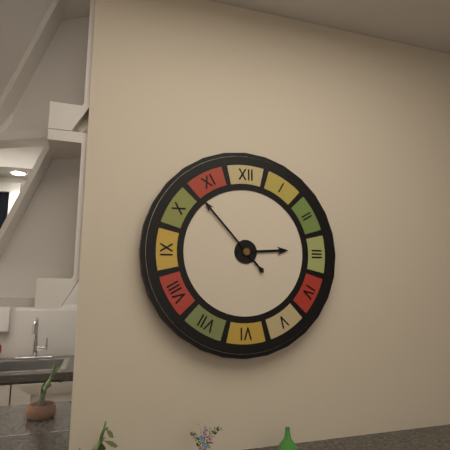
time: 2:53
